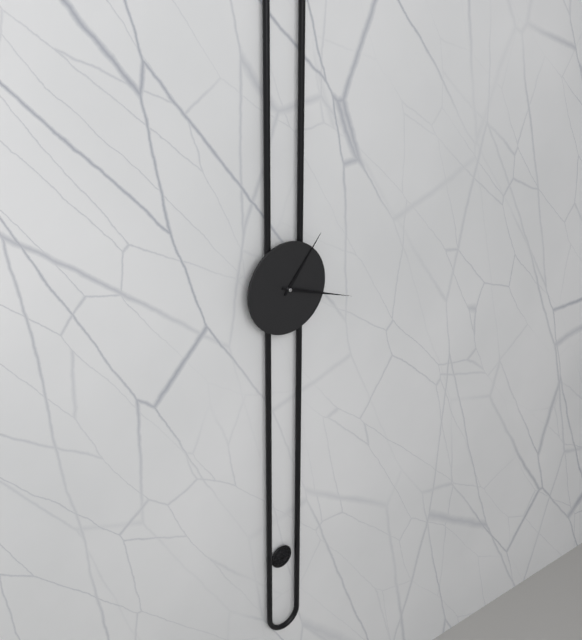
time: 1:18
